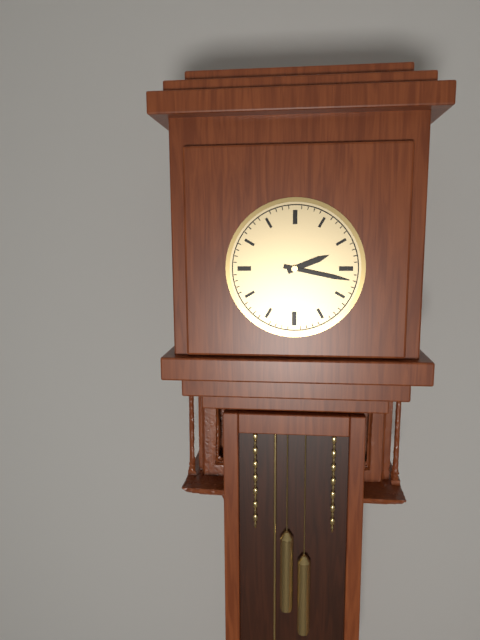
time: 2:17
